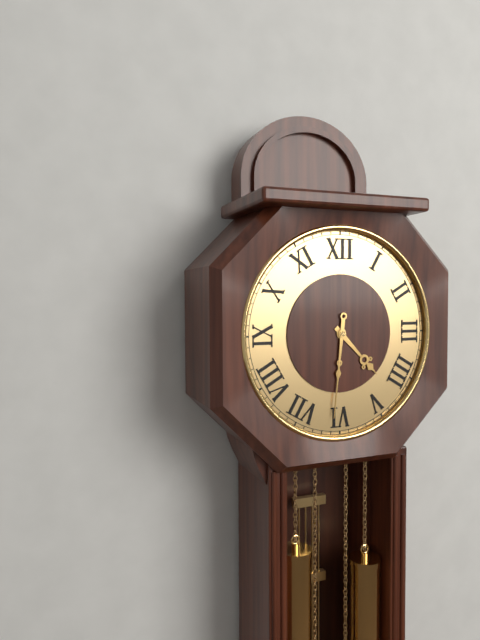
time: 4:31
